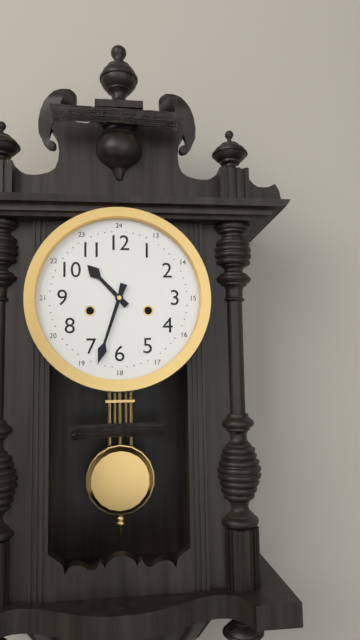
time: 10:33
